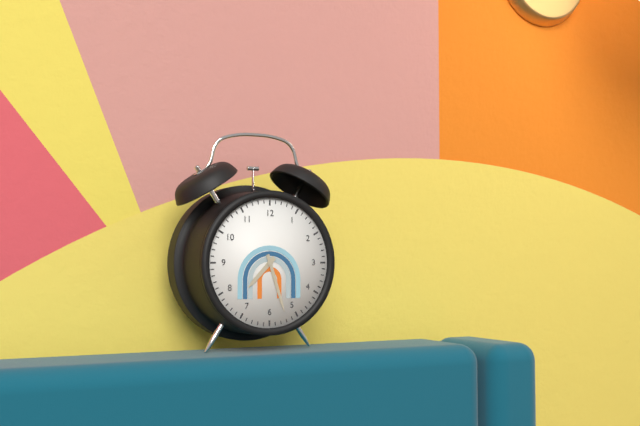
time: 7:27
